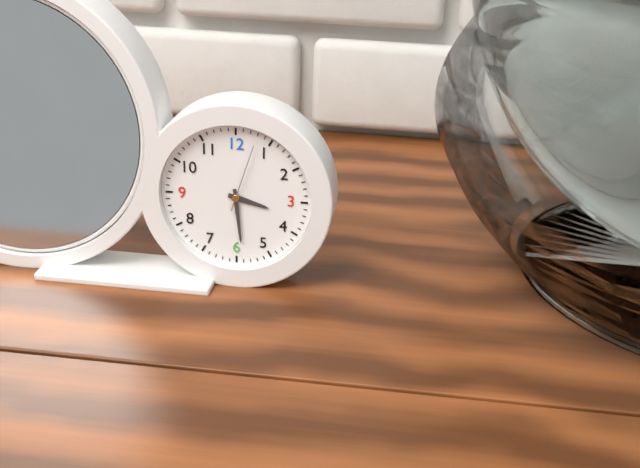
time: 3:29:03
